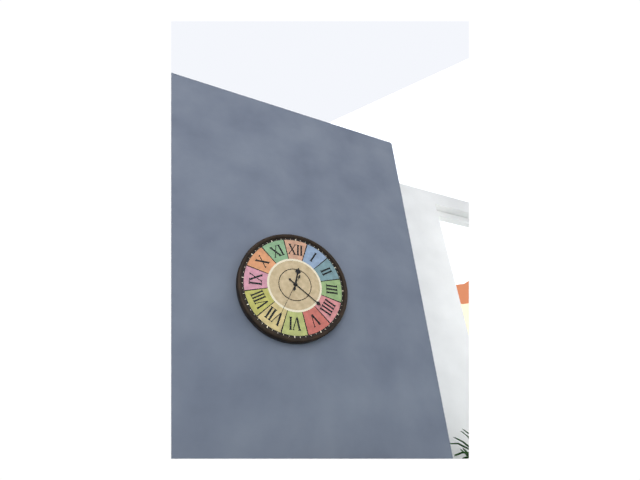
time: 12:21
